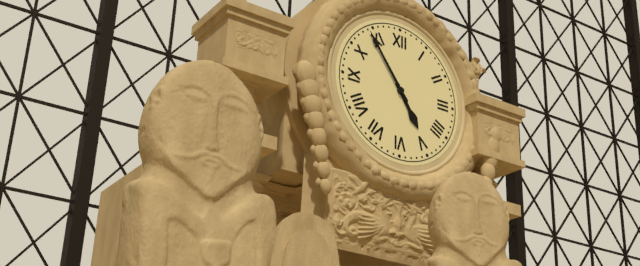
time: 4:54
